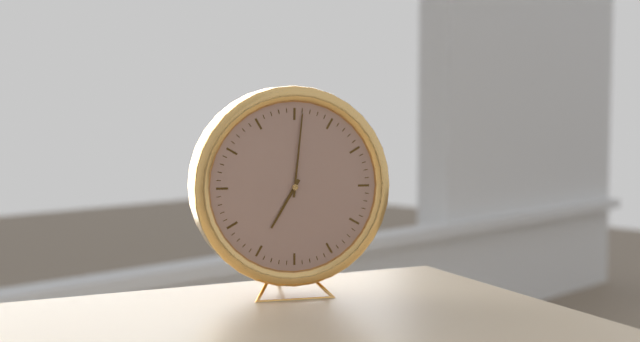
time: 7:01
